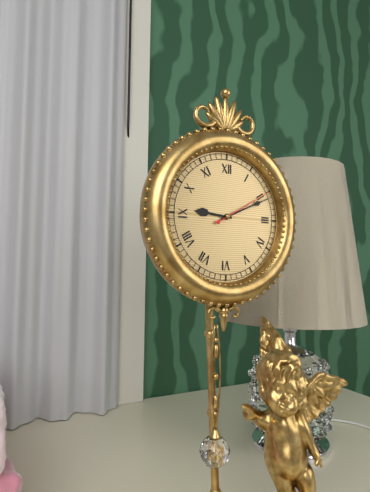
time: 9:11:10
